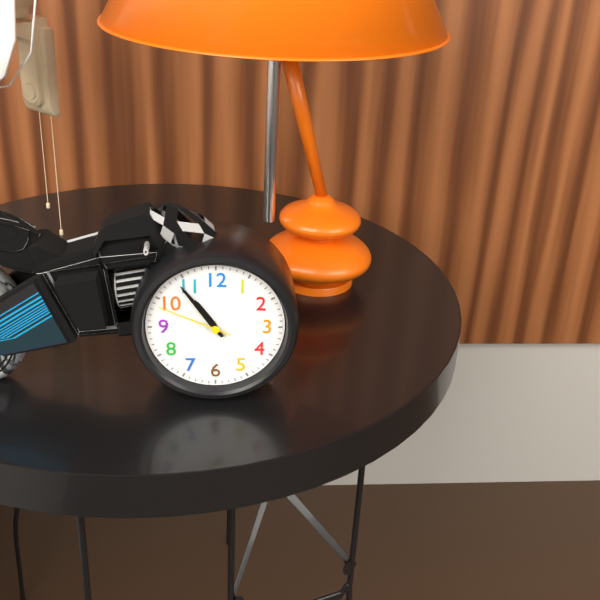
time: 10:54:49
